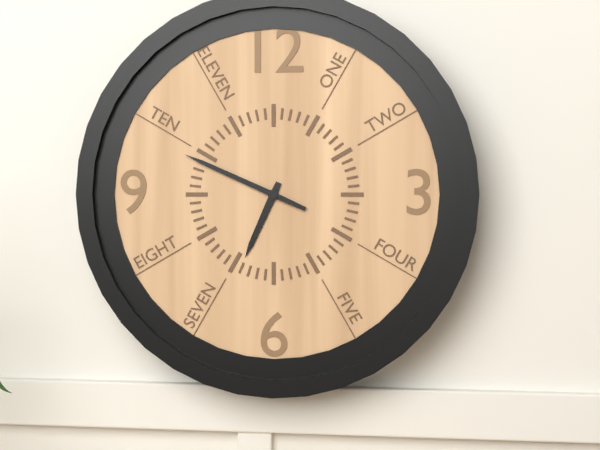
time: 6:49
